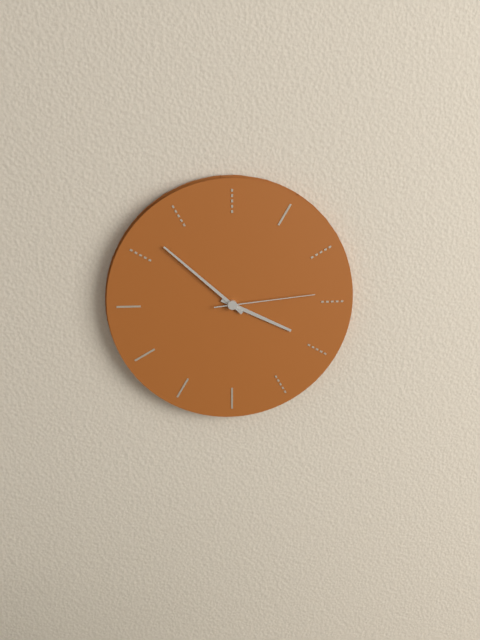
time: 3:52:14
